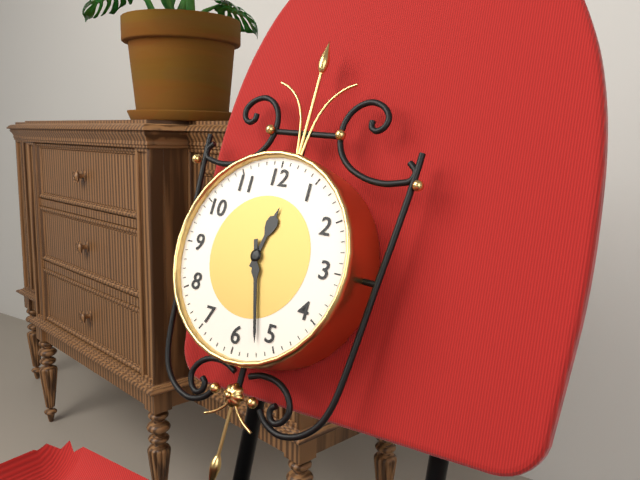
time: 12:27
